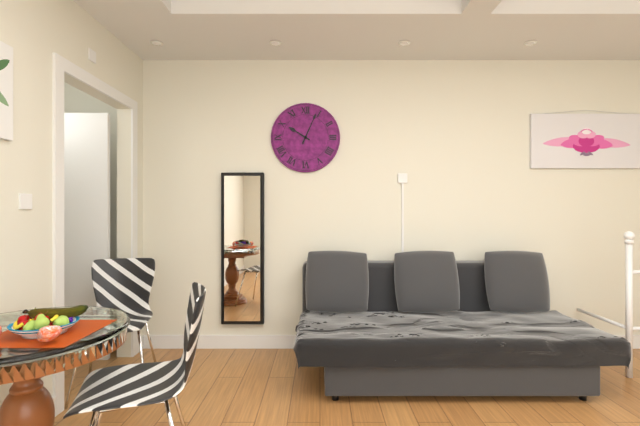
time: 10:04
